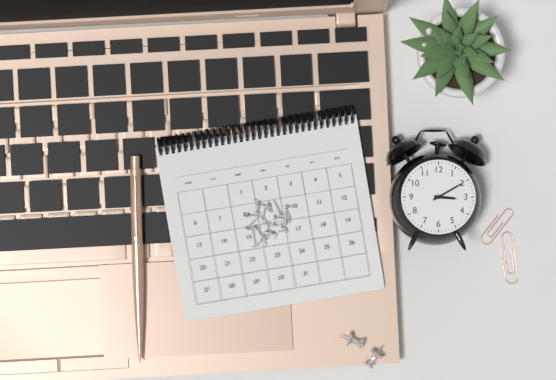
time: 3:10
